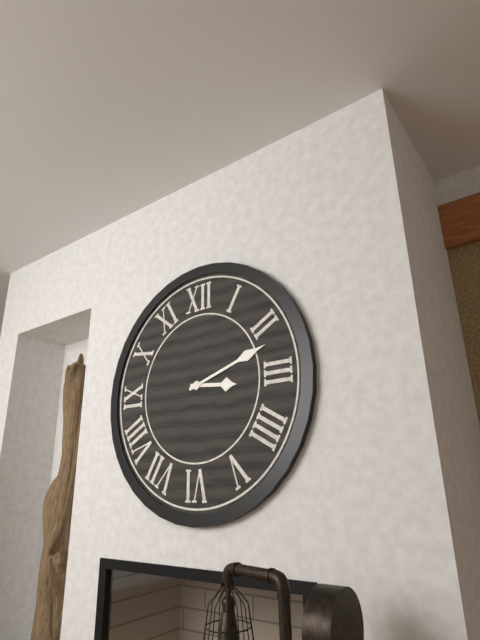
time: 3:12
